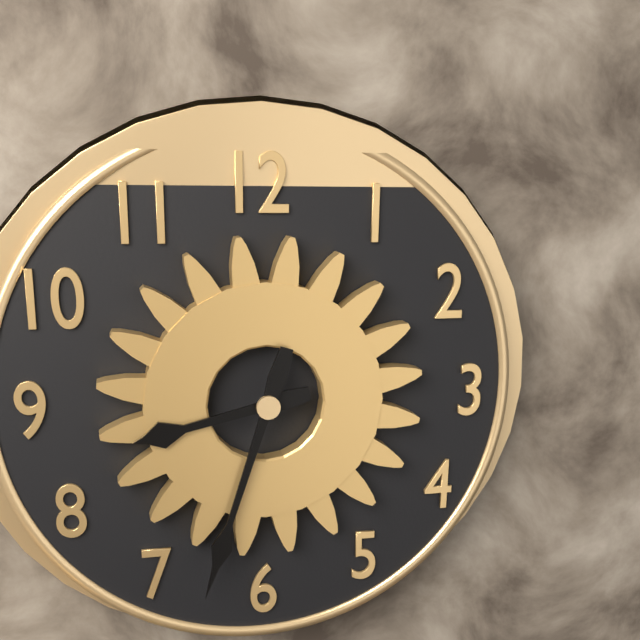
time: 8:33
